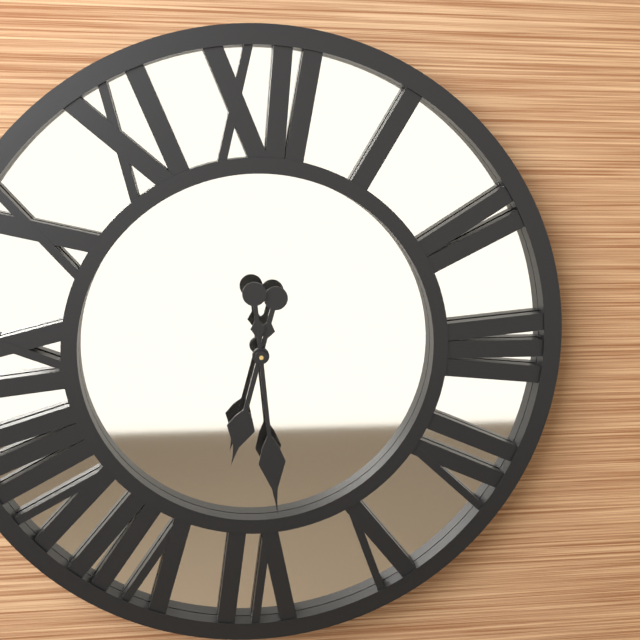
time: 6:29
